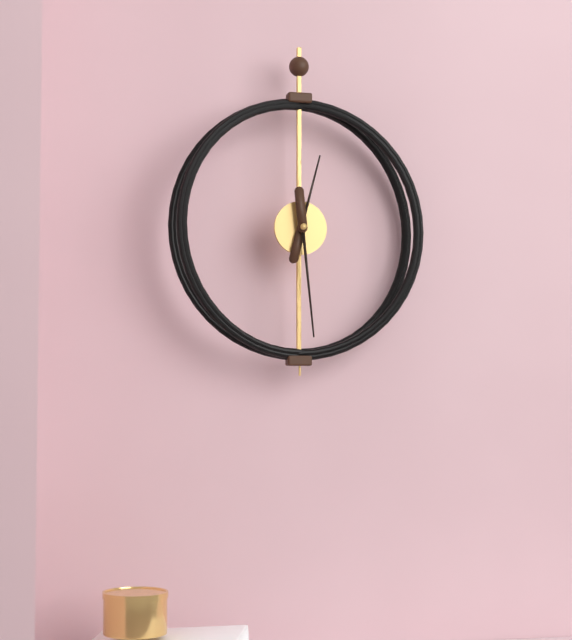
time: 12:29
